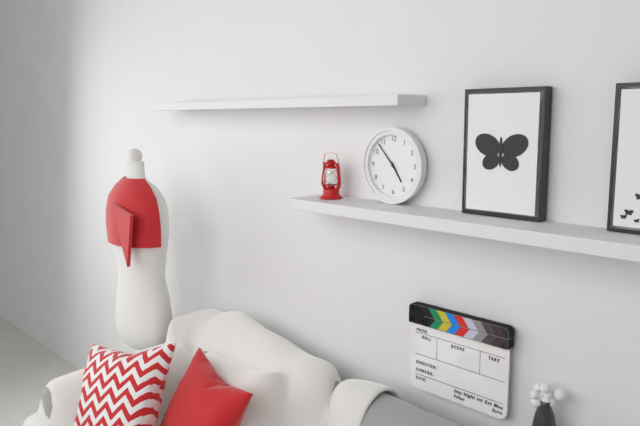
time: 4:53
